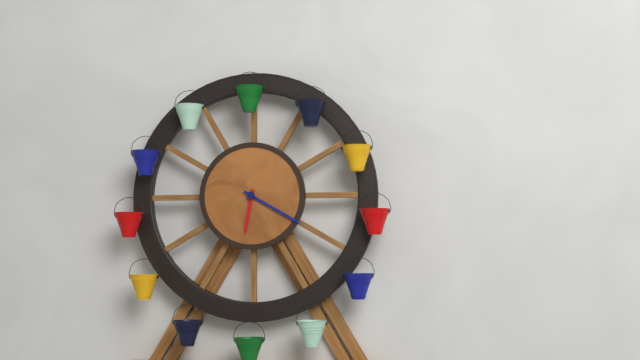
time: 6:20
